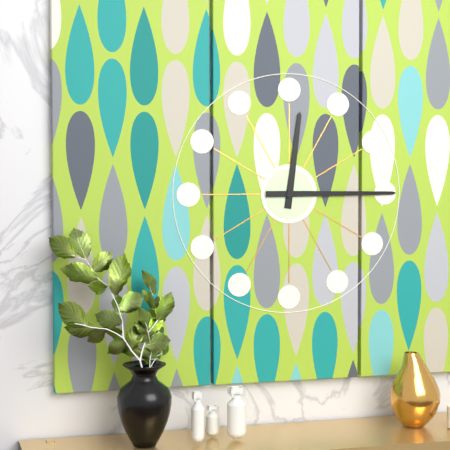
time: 12:15
